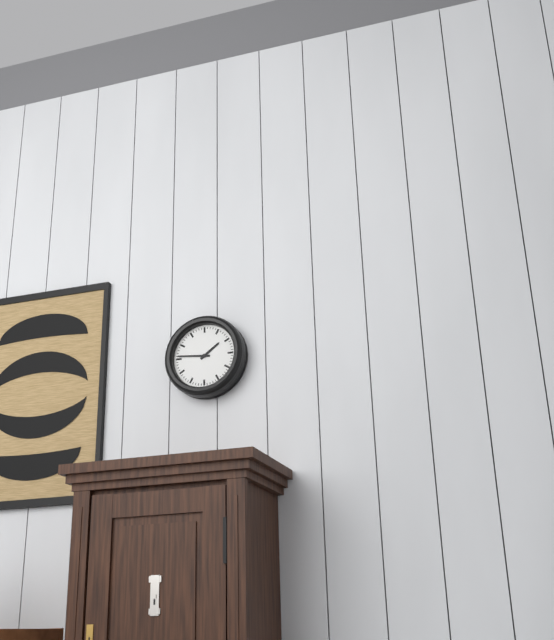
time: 1:46
